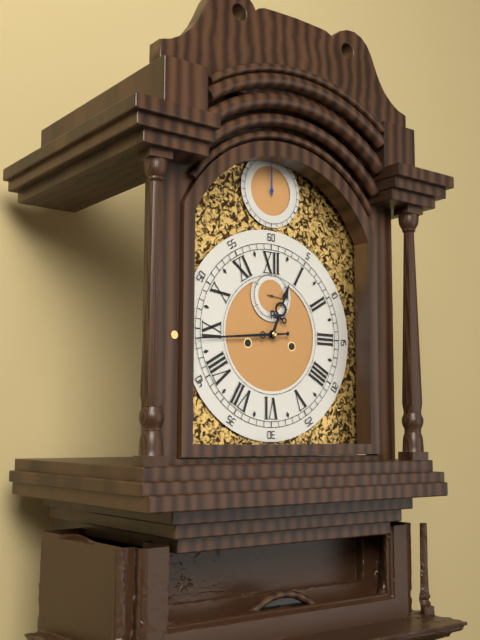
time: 12:44
